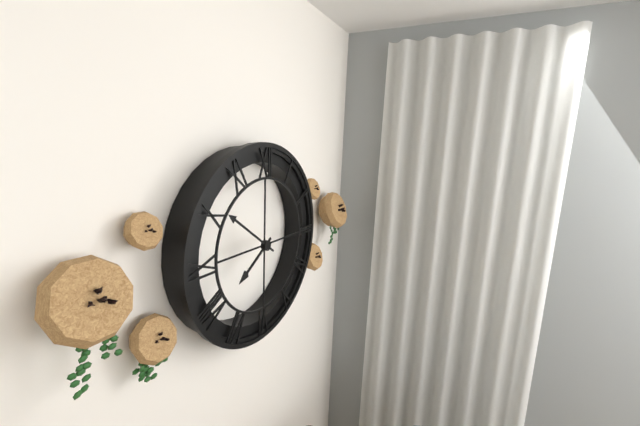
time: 7:51
